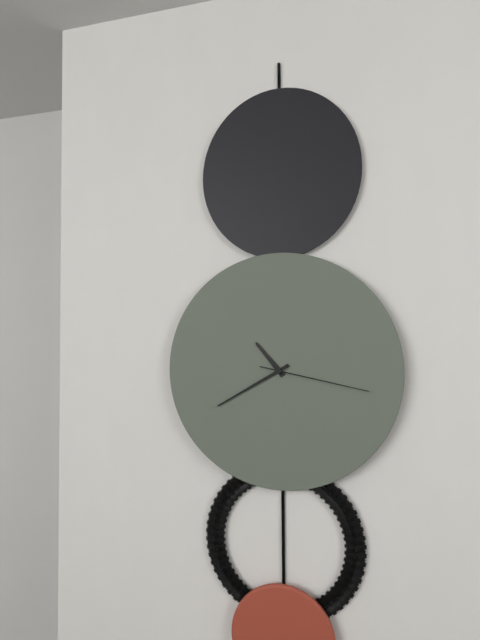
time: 10:40:17
